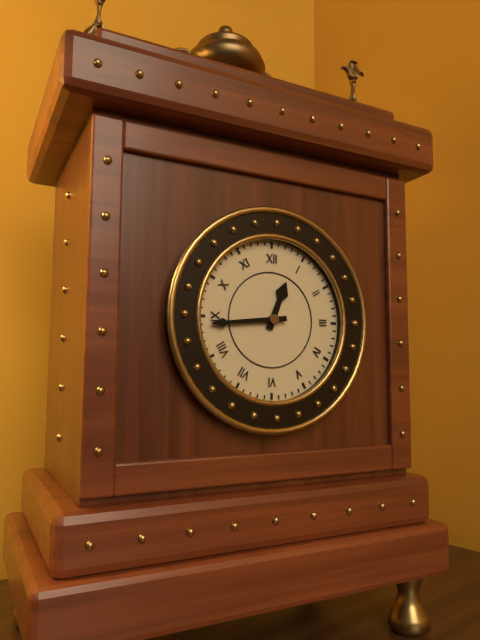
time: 12:44
